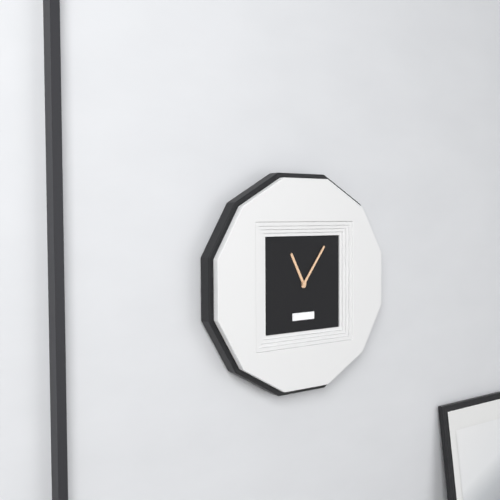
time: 11:06
